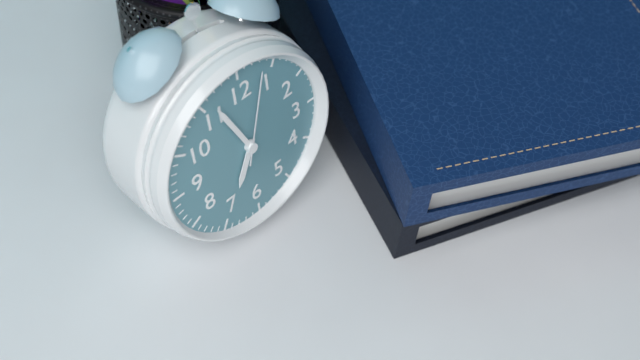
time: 6:56:03
